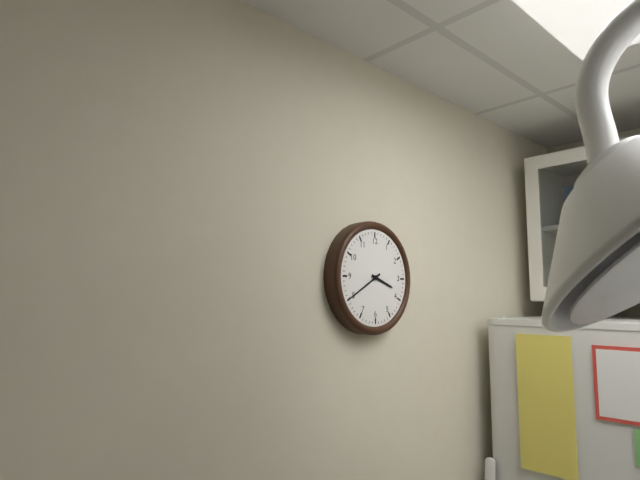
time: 3:40
